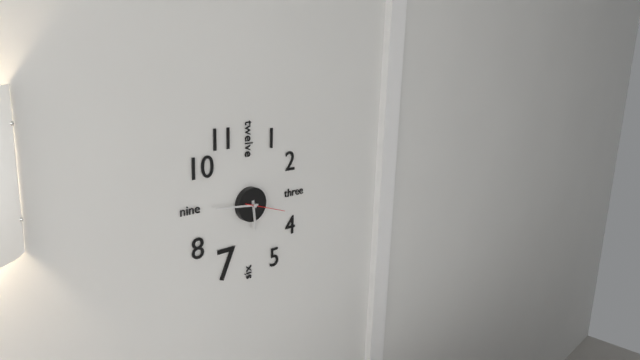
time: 5:46
